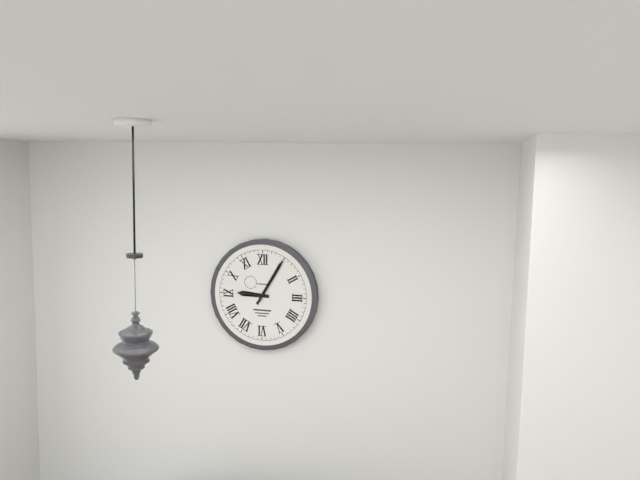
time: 9:05
